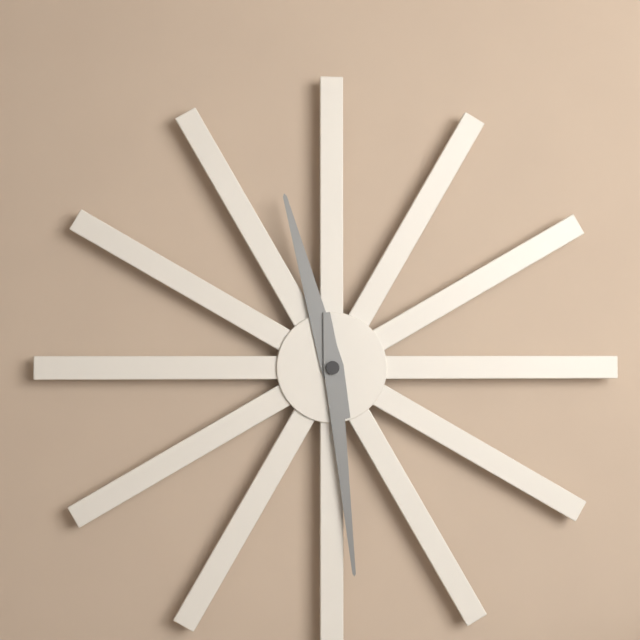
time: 11:29
